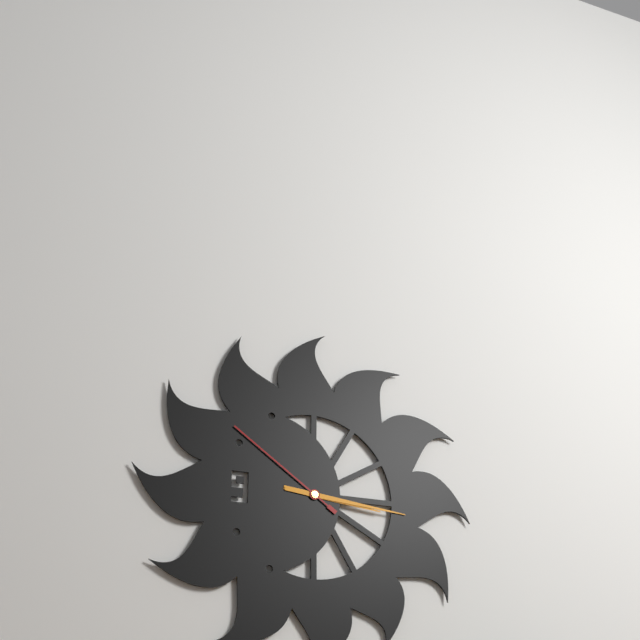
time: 3:16:51
